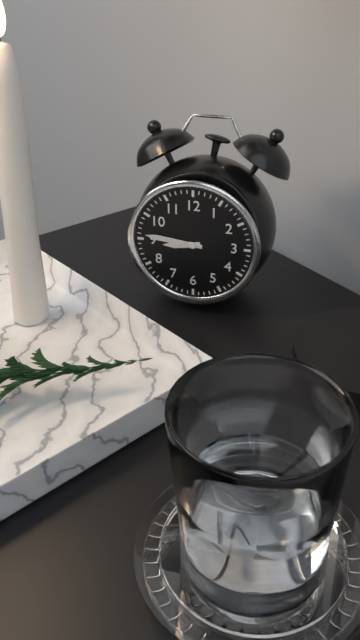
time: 8:46
